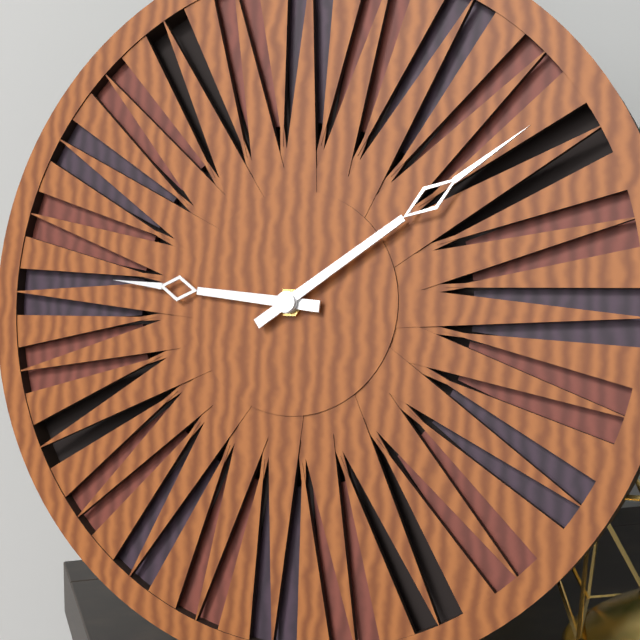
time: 9:09
